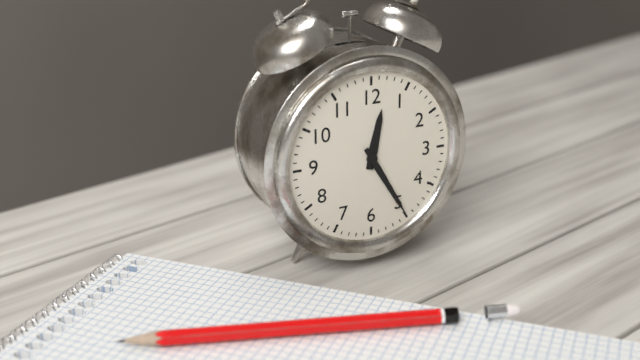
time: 12:25
